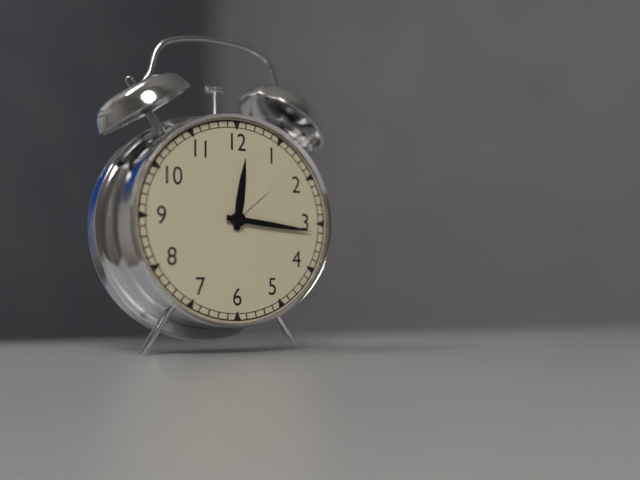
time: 12:16
